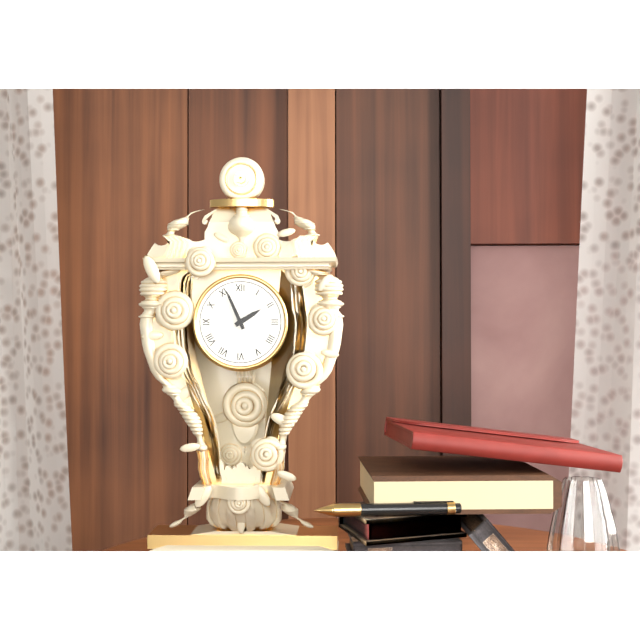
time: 1:56
